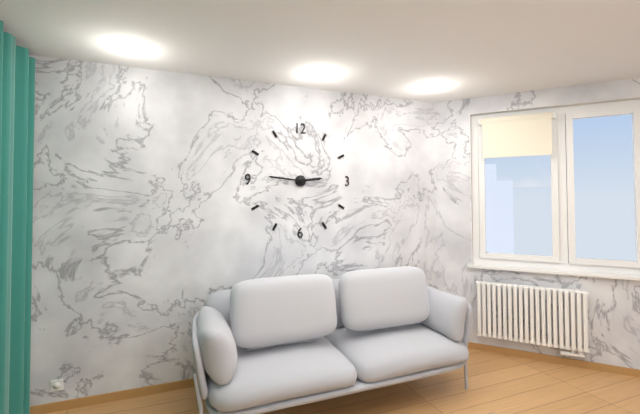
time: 2:46
